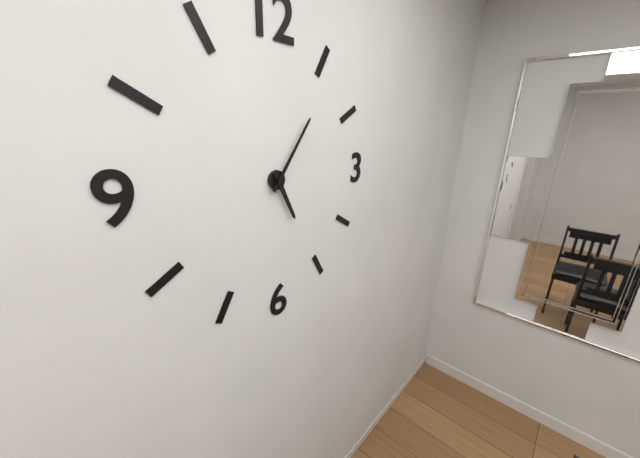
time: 5:06
